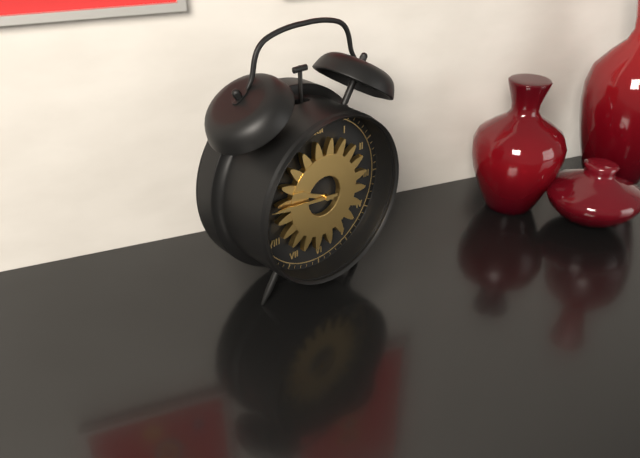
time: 9:46
